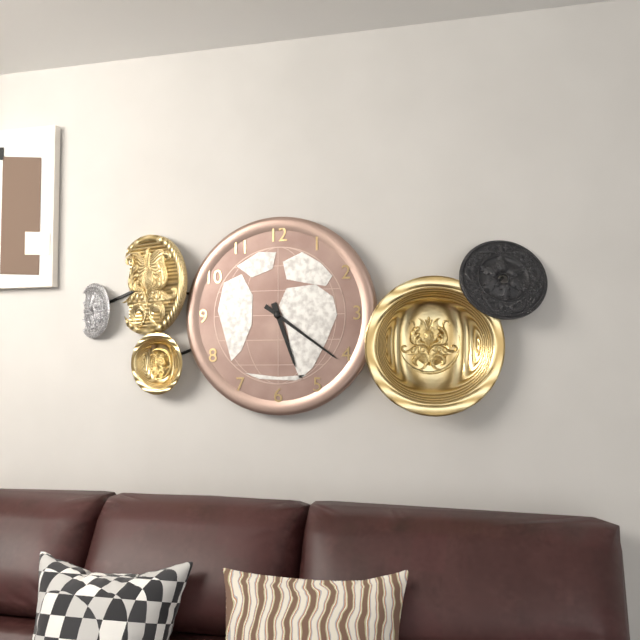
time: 5:21
